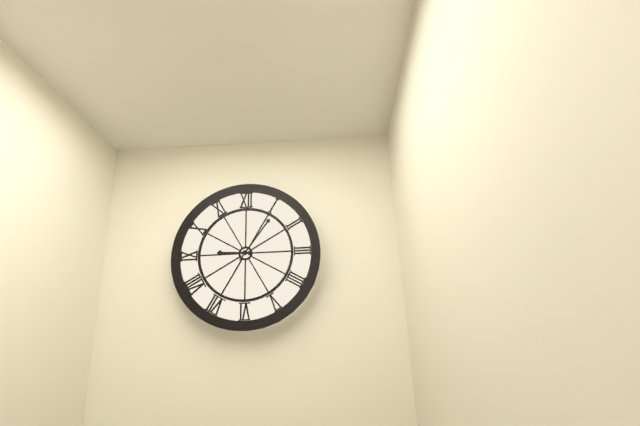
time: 9:06
